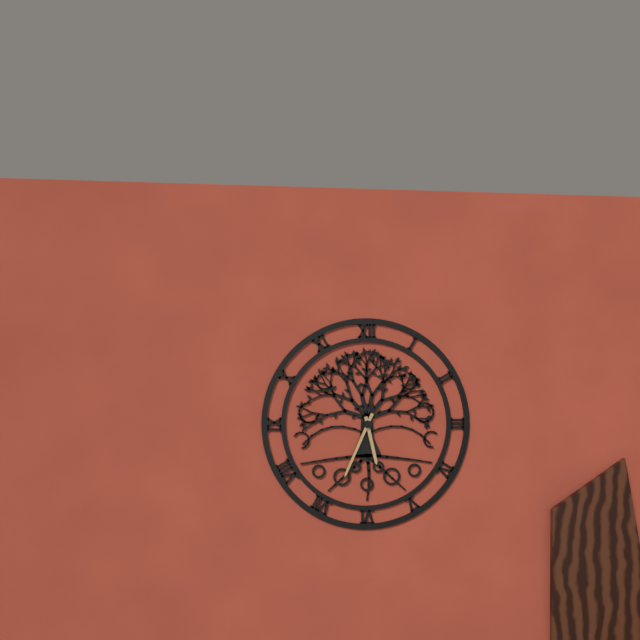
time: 5:34
